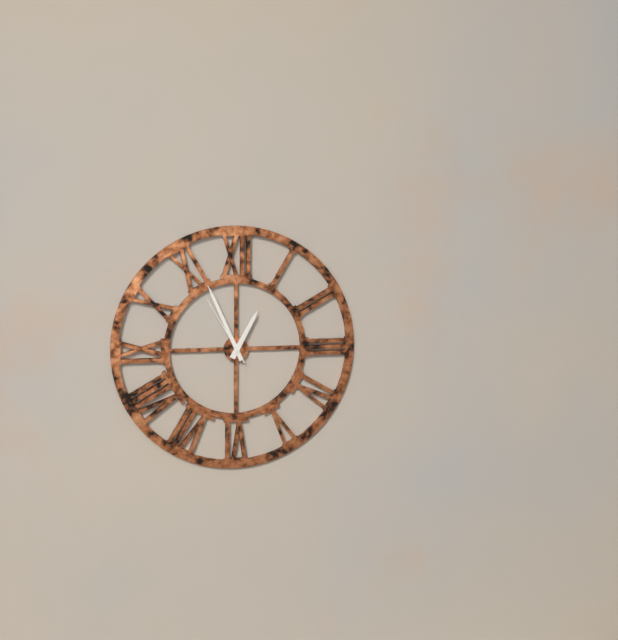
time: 12:56:55
